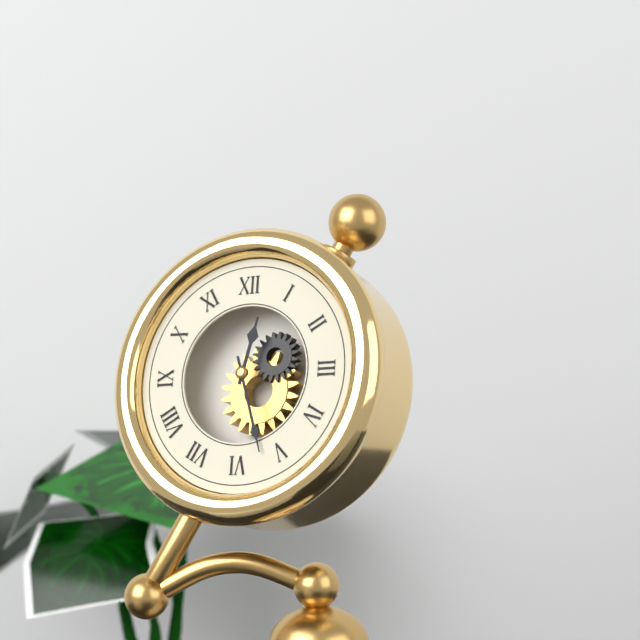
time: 12:27
